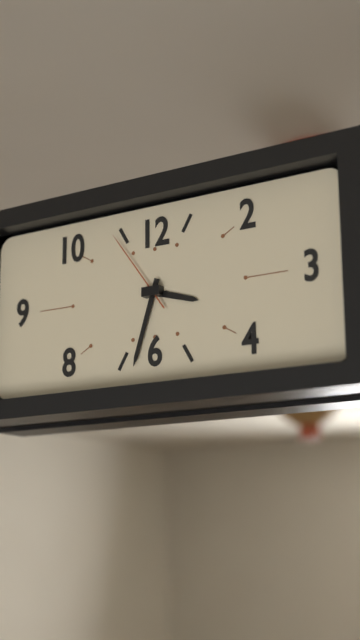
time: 3:33:54
